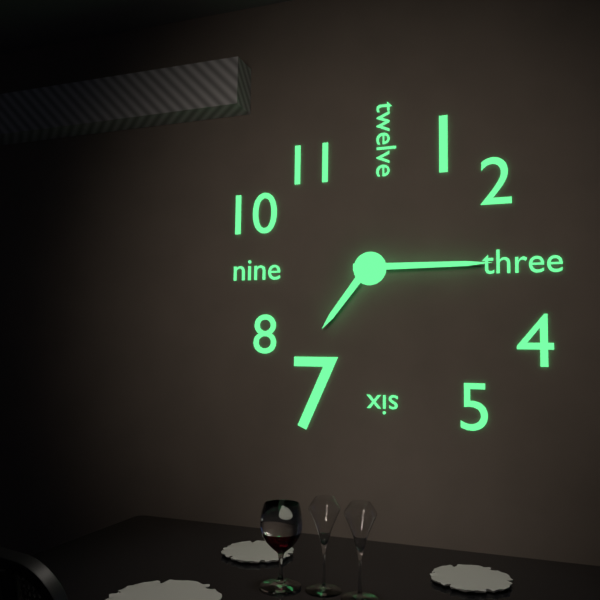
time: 7:15
